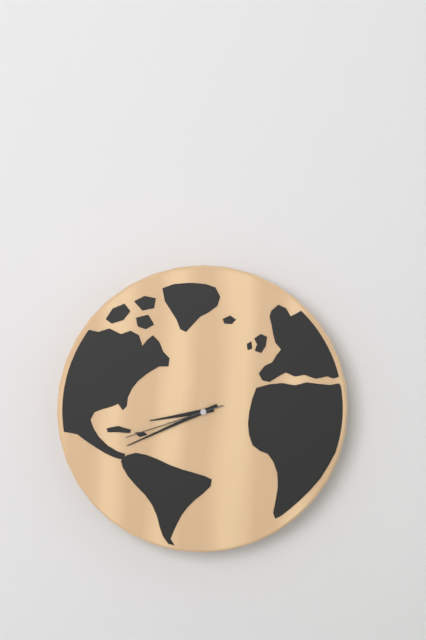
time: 8:41:42
